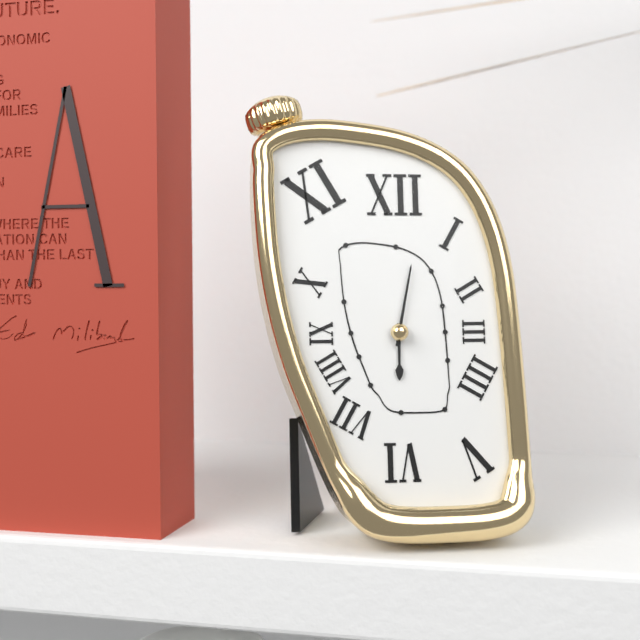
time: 6:02
